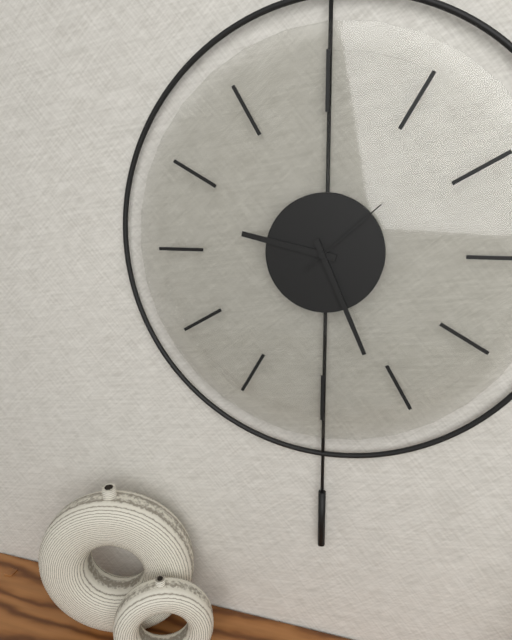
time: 9:26:08
